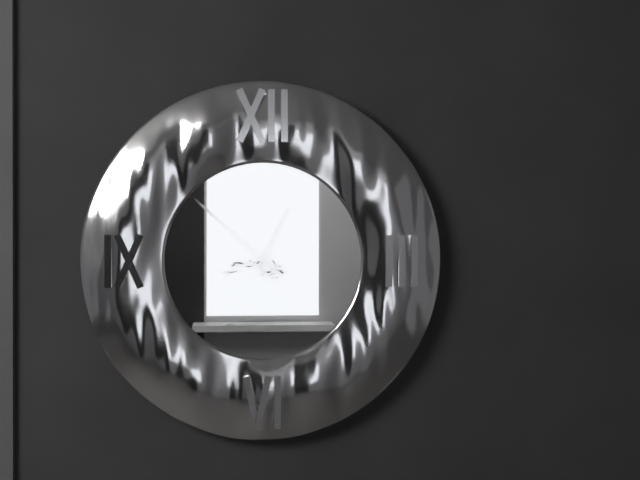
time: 12:52
